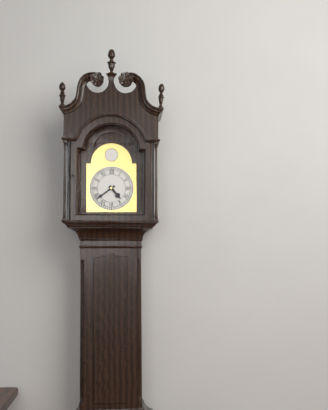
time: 4:39
